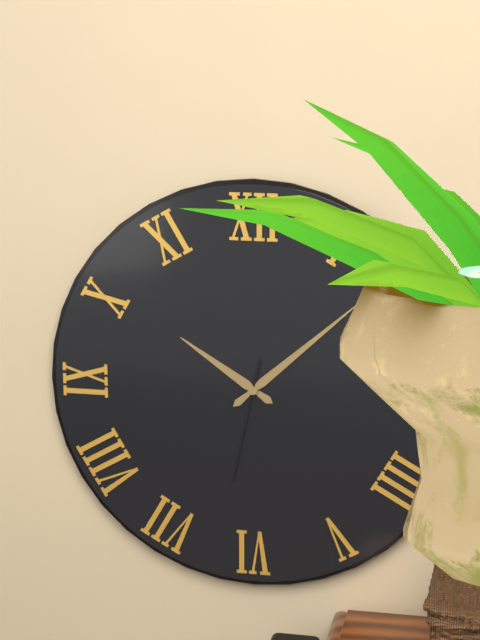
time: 10:08:32
